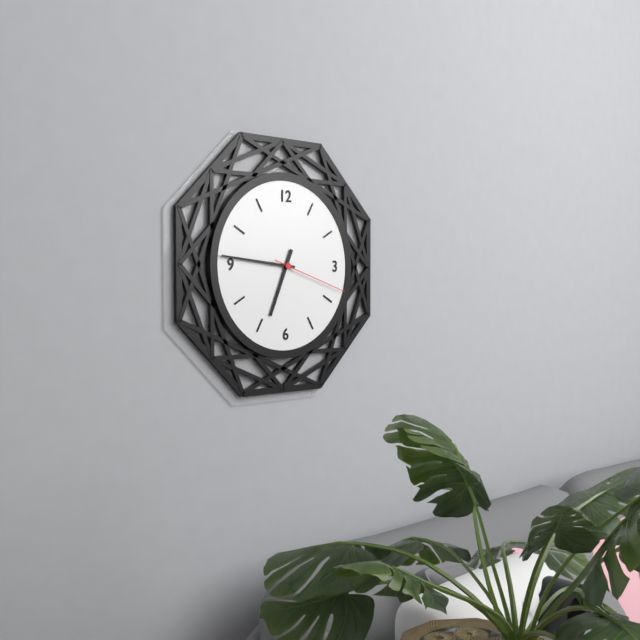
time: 6:46:18
